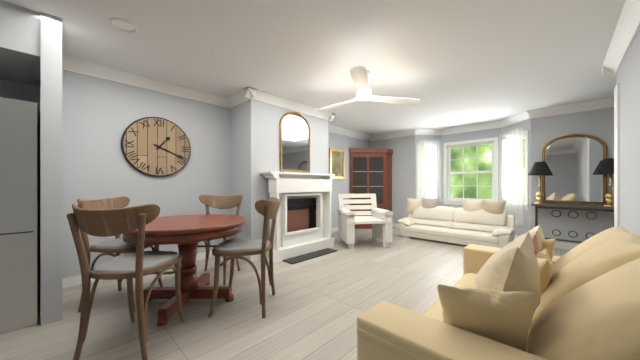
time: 1:19
